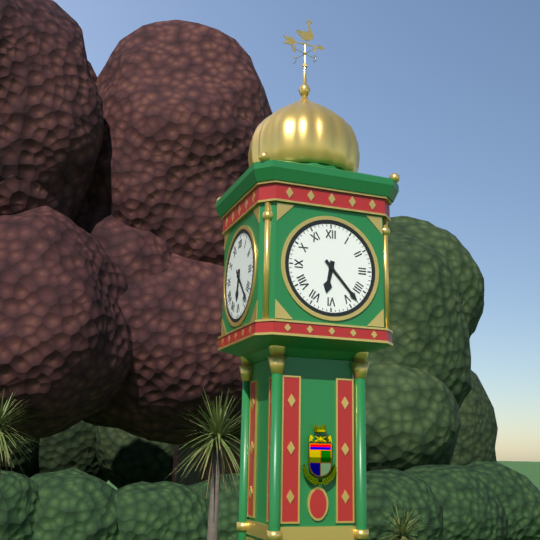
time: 6:23
